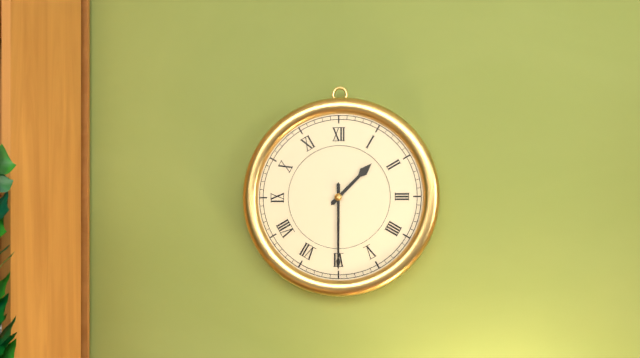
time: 1:30
